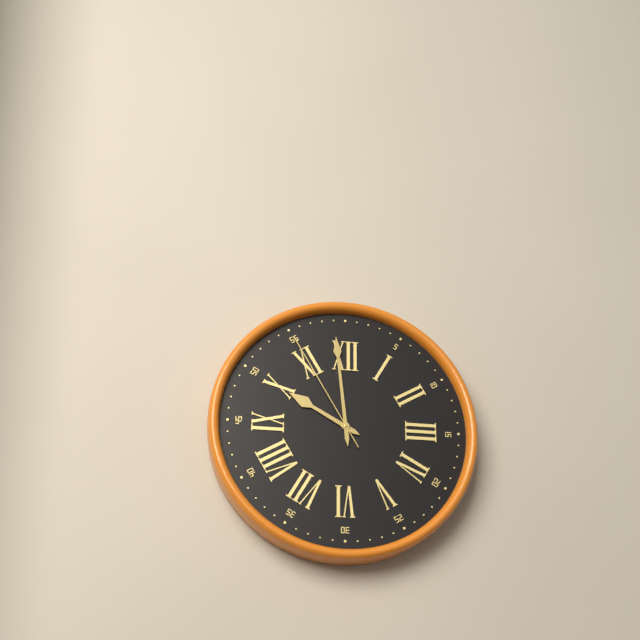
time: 9:59:55
